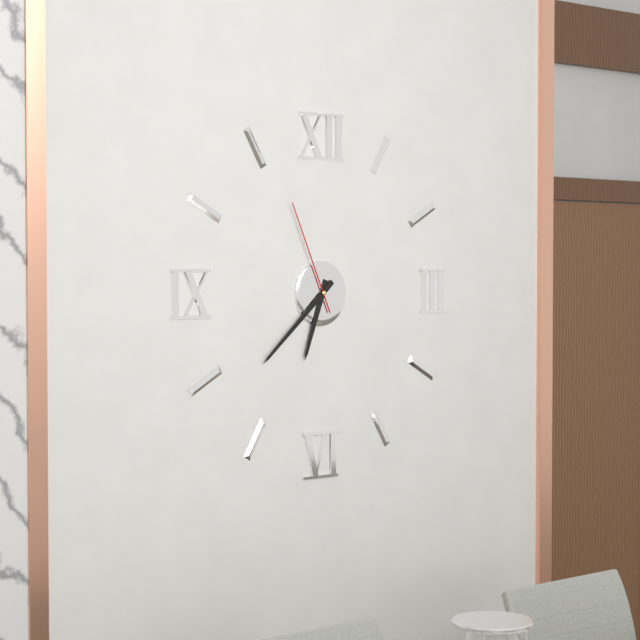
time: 6:38:56
